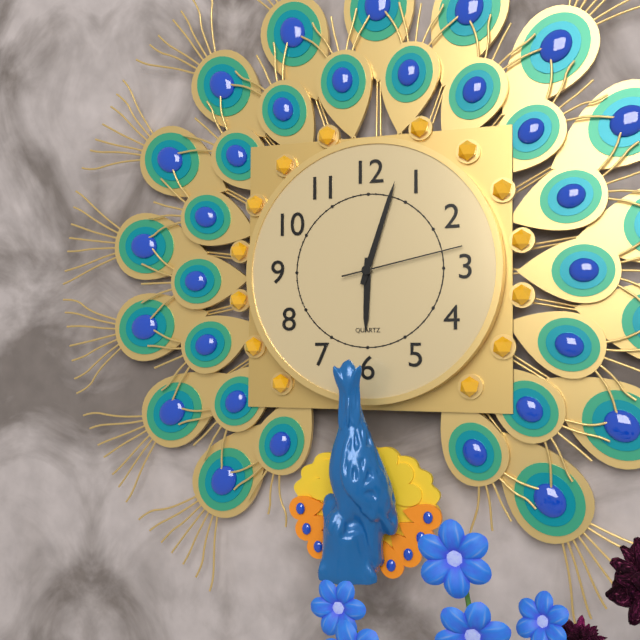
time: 6:03:13
